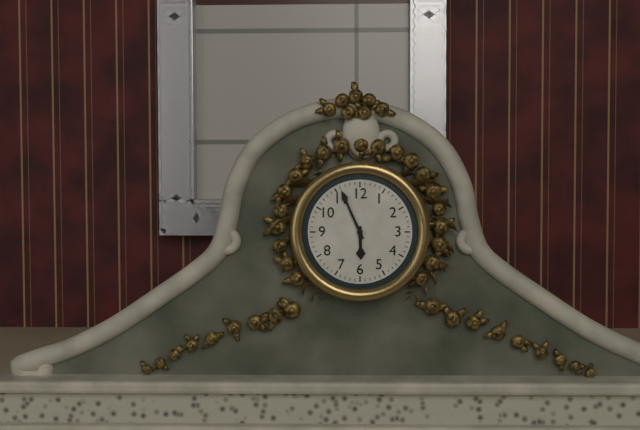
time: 5:56
